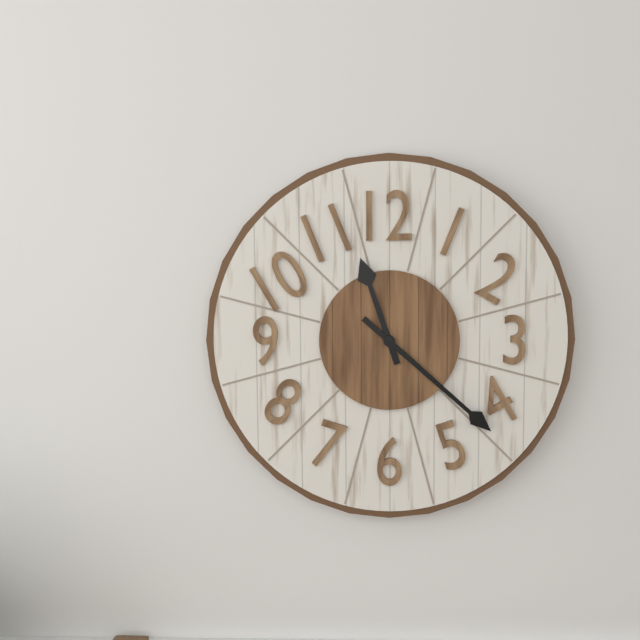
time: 11:22
